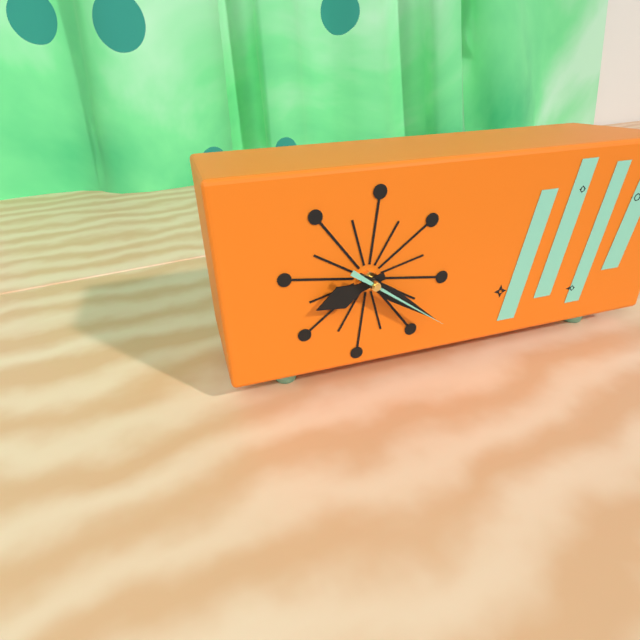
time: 8:21:21
